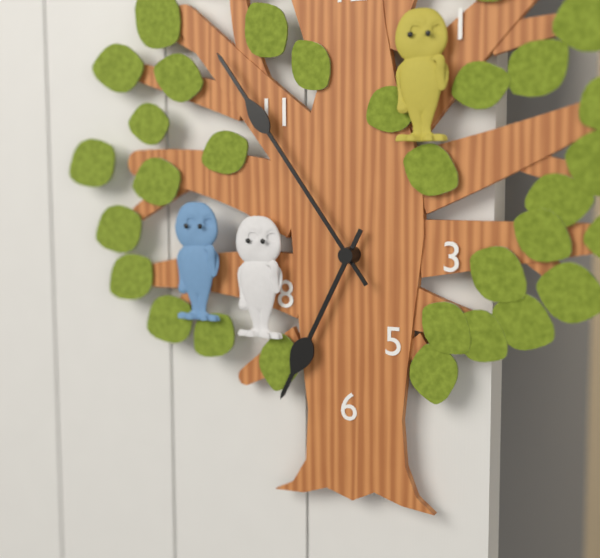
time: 6:54
